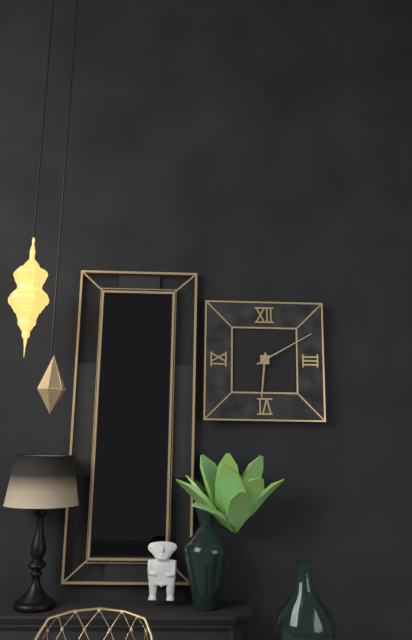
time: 6:10
